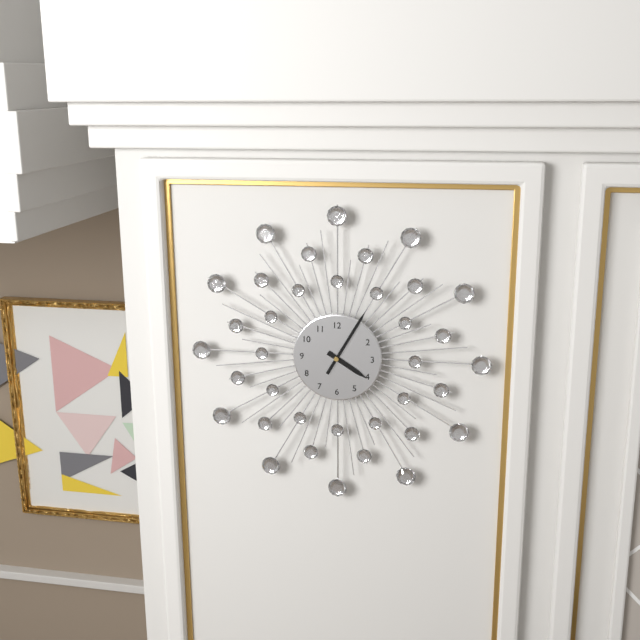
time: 4:05
